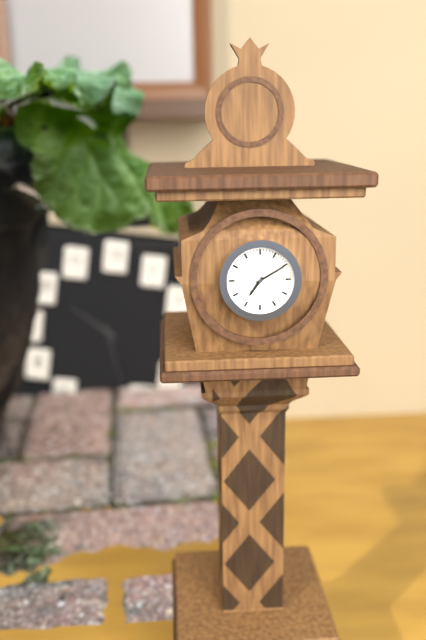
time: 7:10
